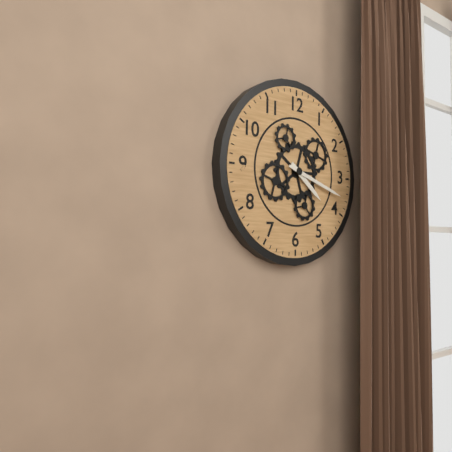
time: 4:18
